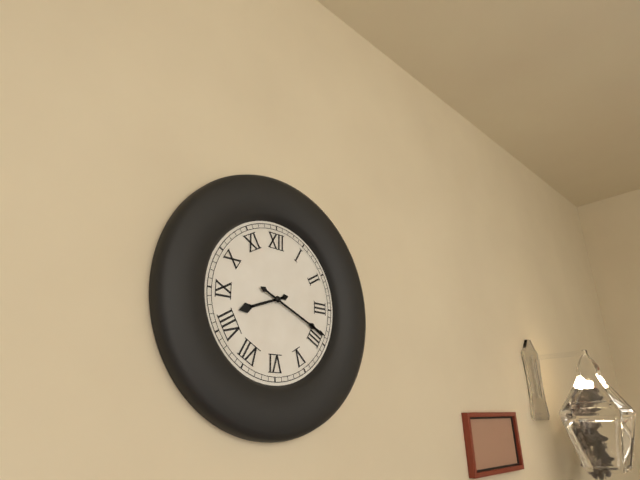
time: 8:19
